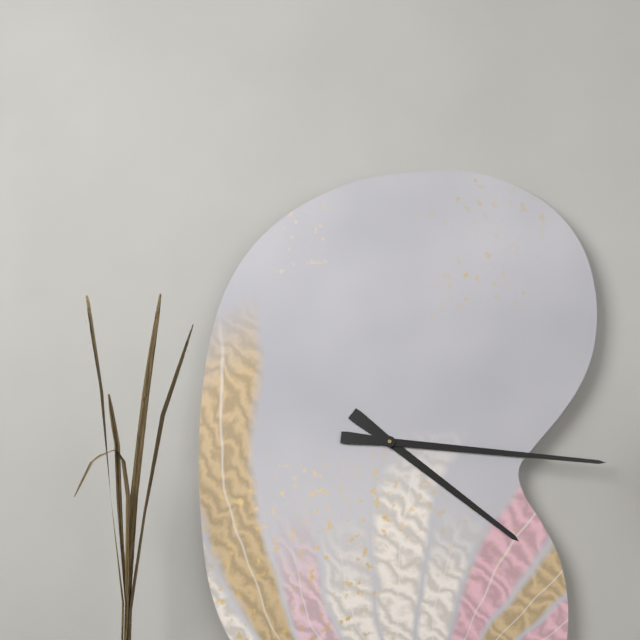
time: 4:16
